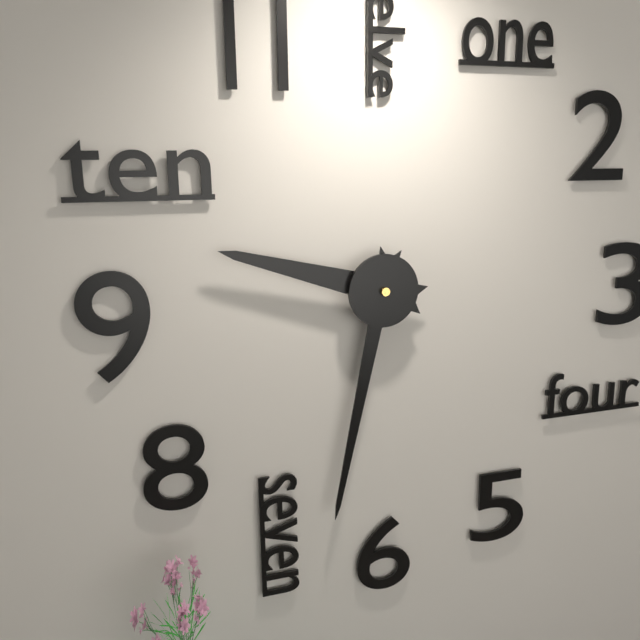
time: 9:32
